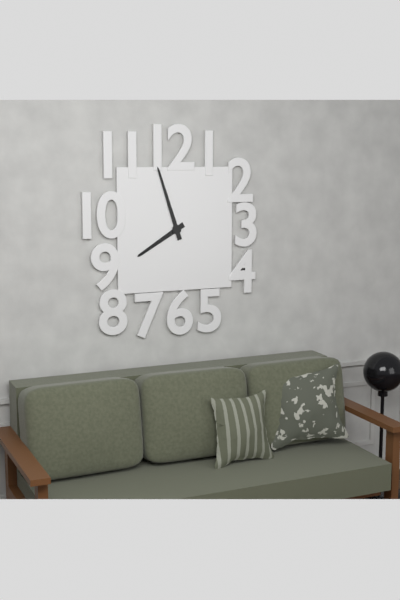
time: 7:57
